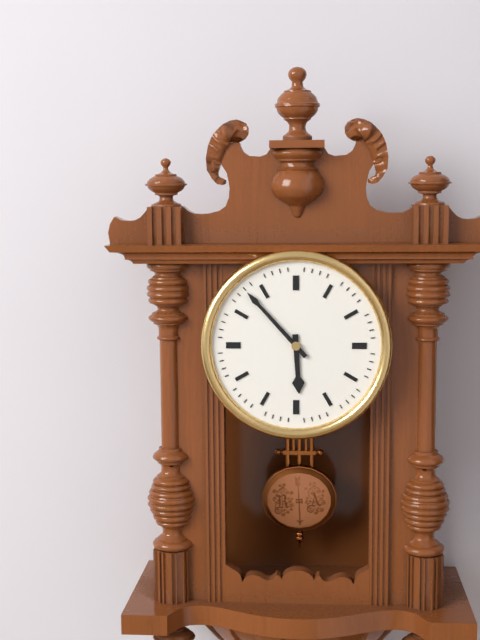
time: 5:53
